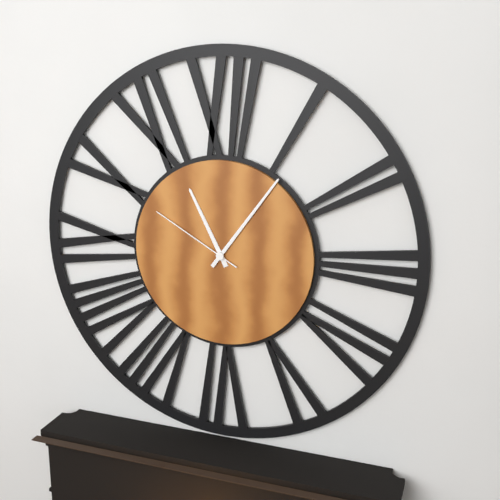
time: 11:06:50
